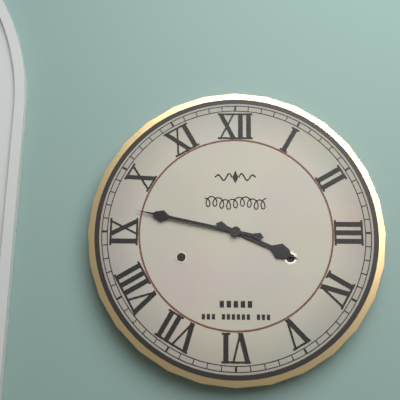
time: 3:47
